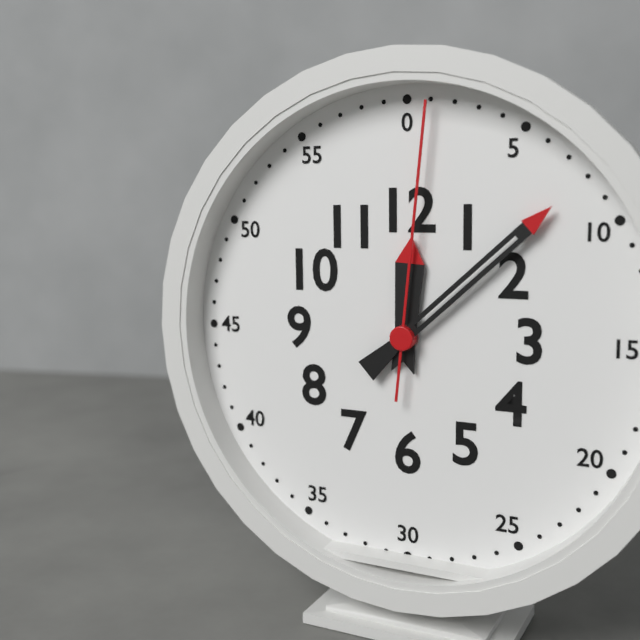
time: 12:08:01
